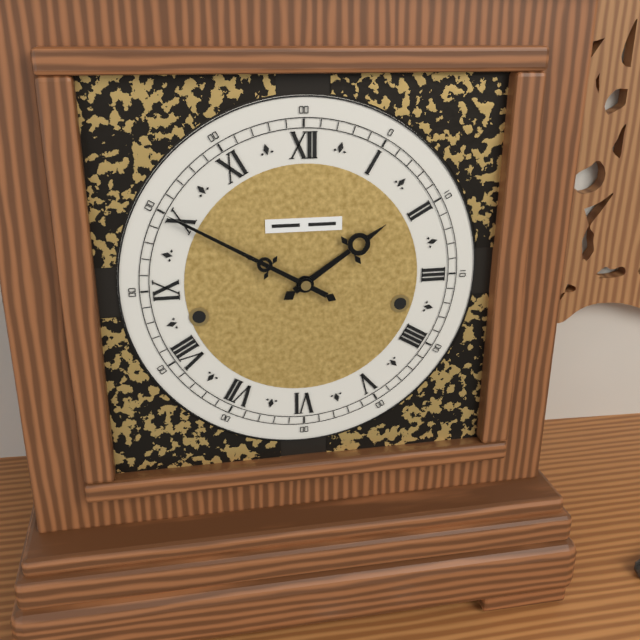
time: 1:50
